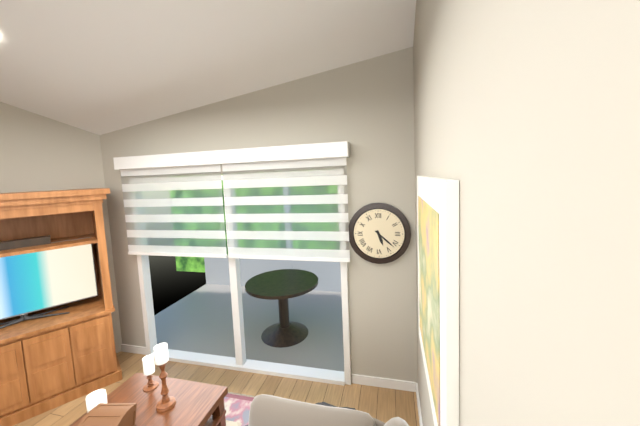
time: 5:22
